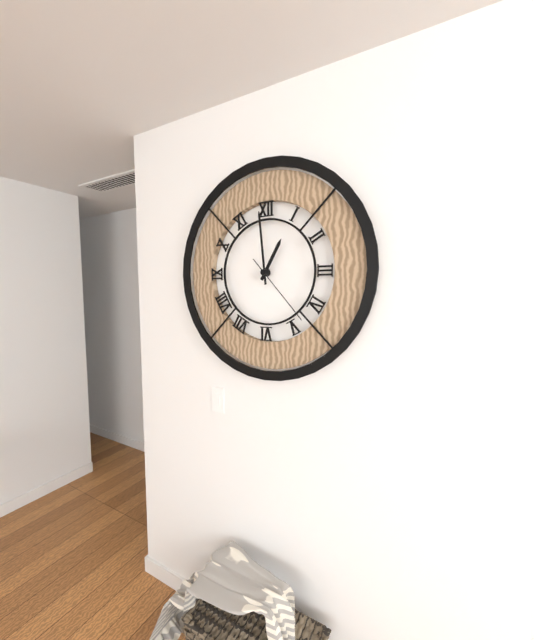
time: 12:59:23
